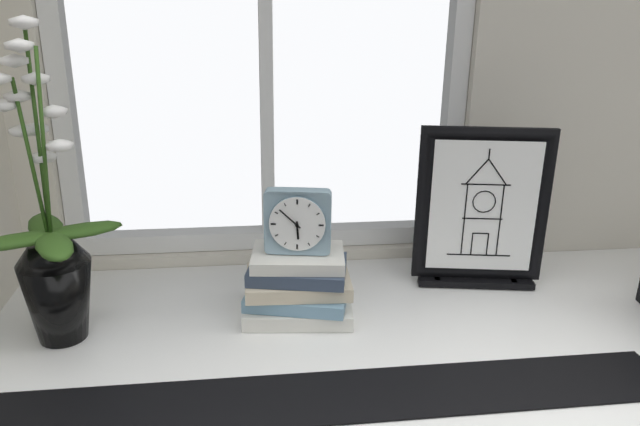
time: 5:52
